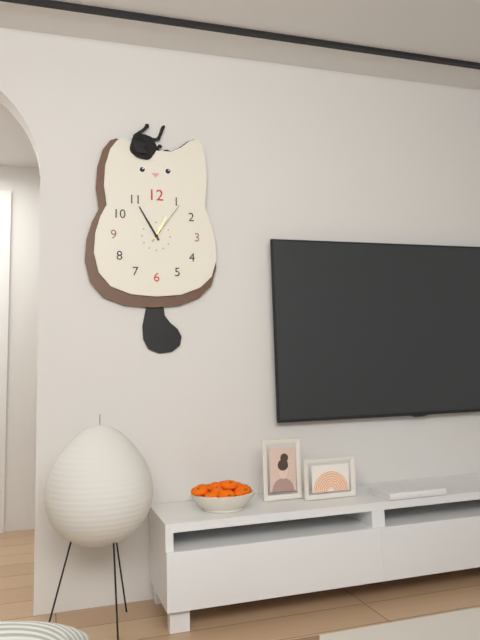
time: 12:55:06
